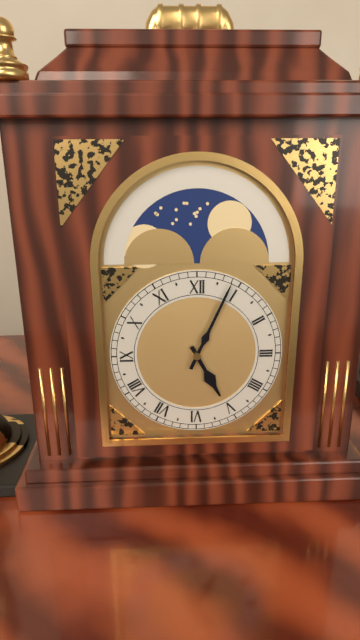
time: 5:04
